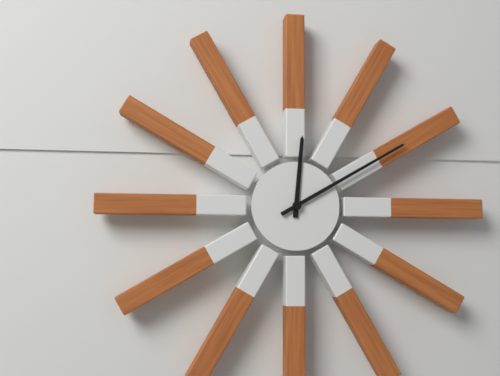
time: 12:10
